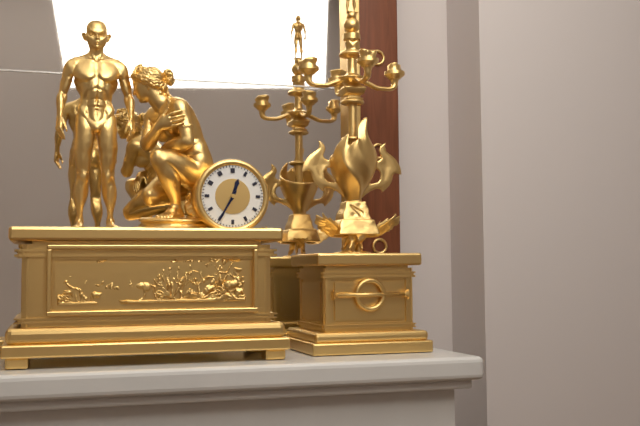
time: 12:35
